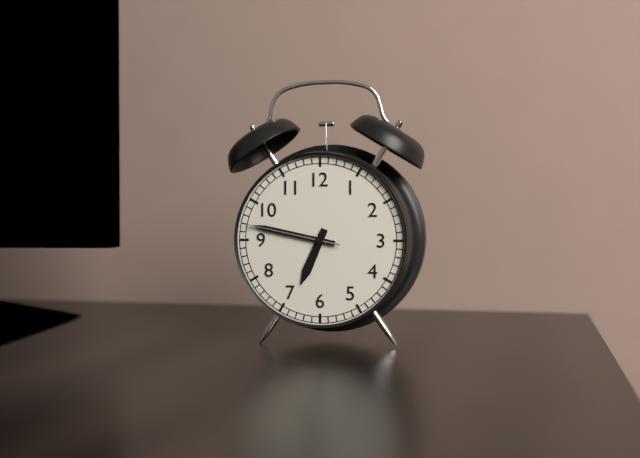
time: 6:47:47
